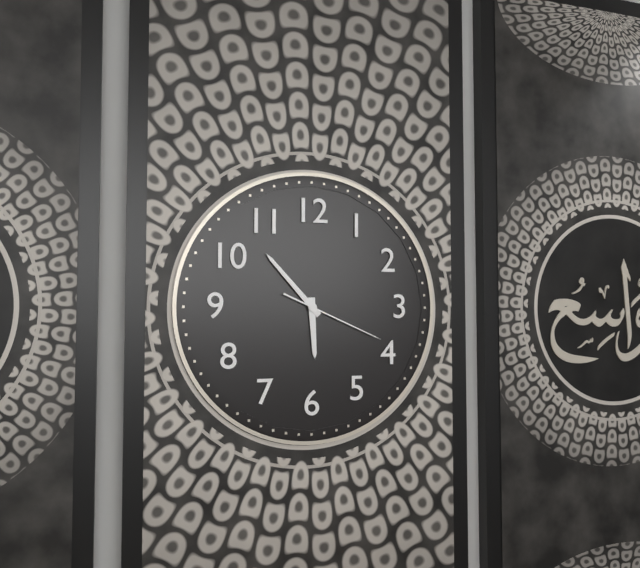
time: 5:53:19
